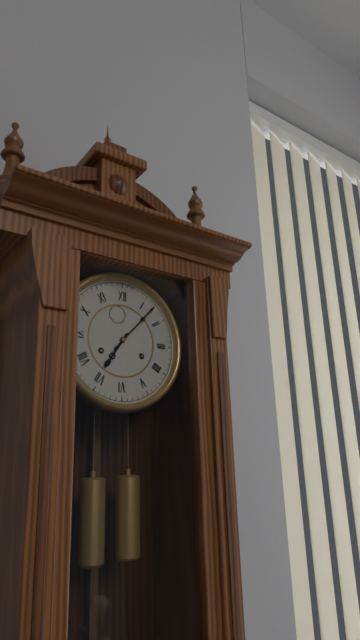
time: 7:07
